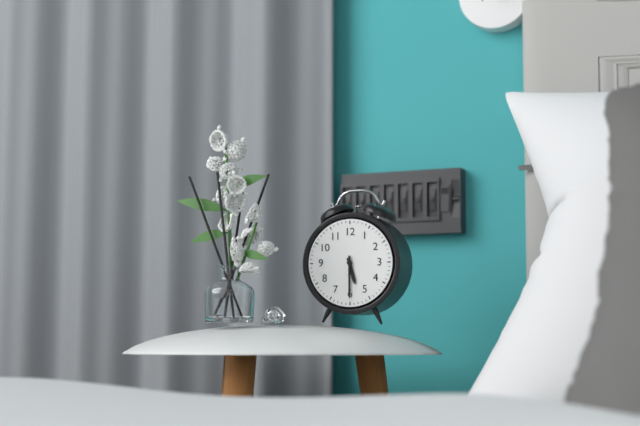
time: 5:30
